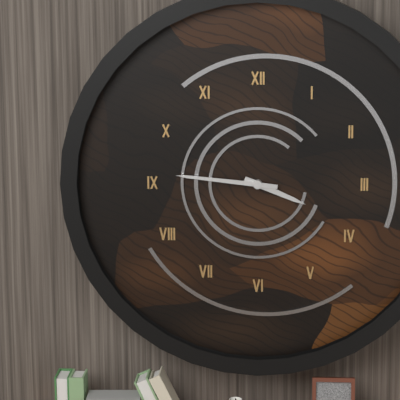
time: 3:46
